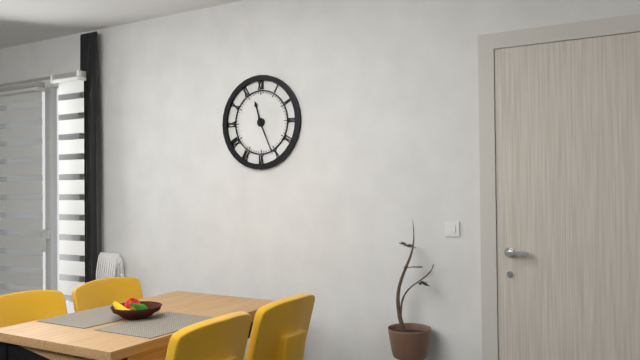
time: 11:26
